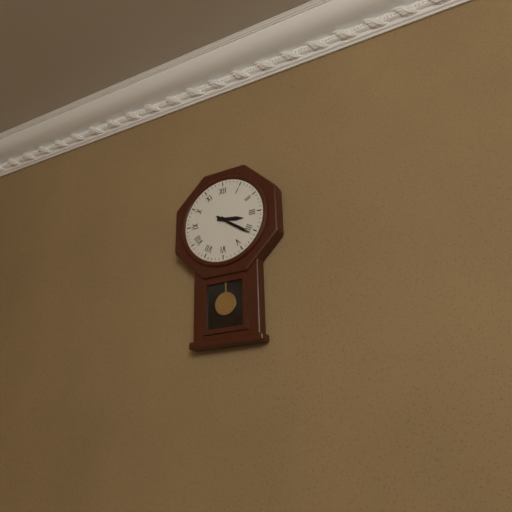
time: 3:21
